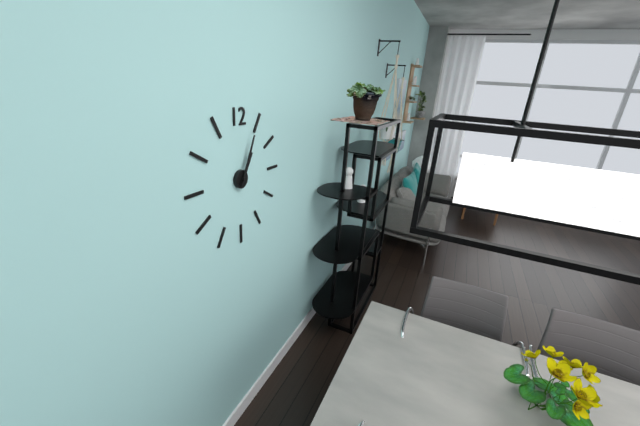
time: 1:04
